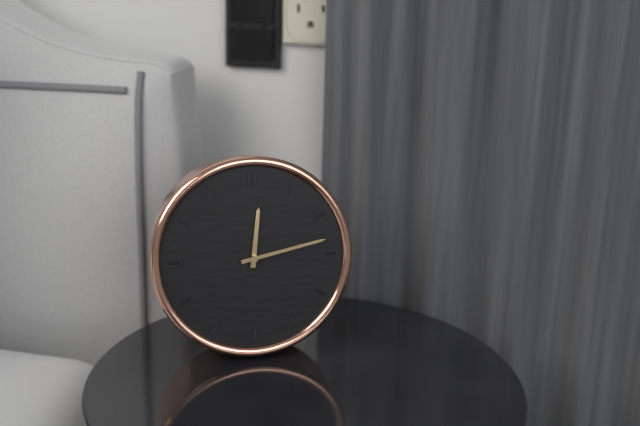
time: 12:13
